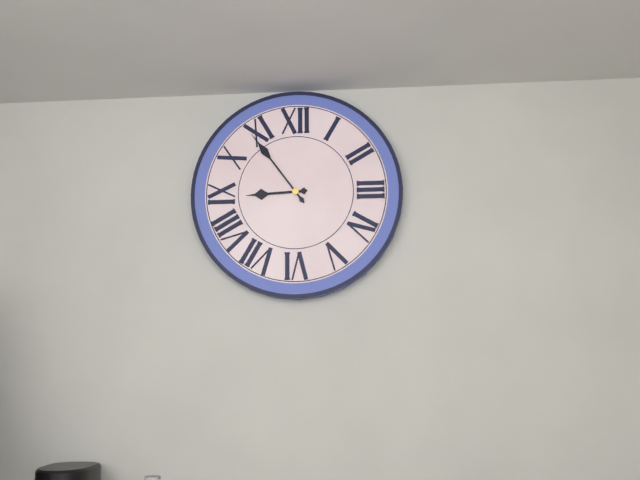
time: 8:54
